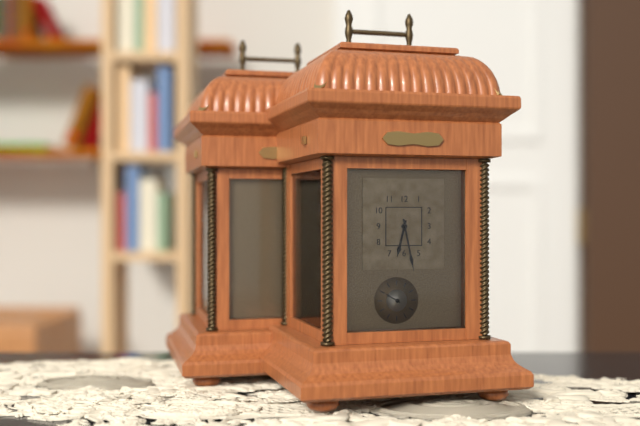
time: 6:28
